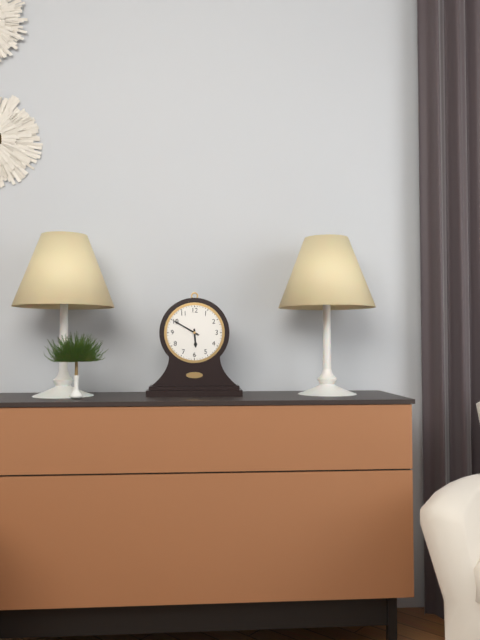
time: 5:50
